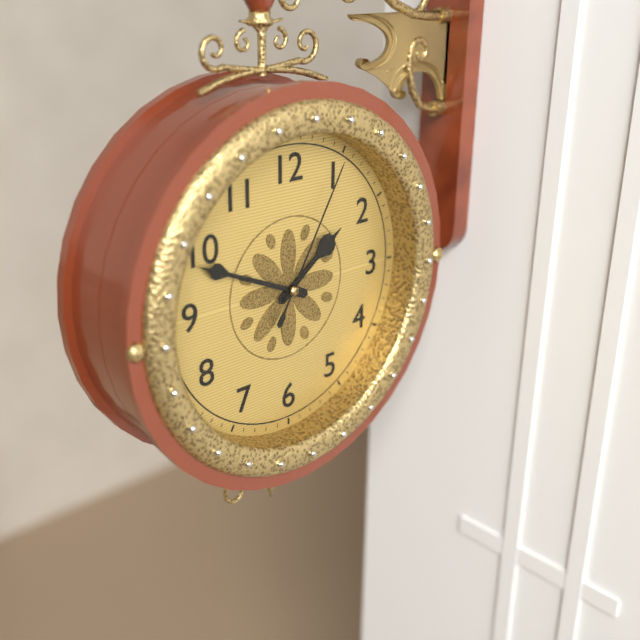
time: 1:49:05
